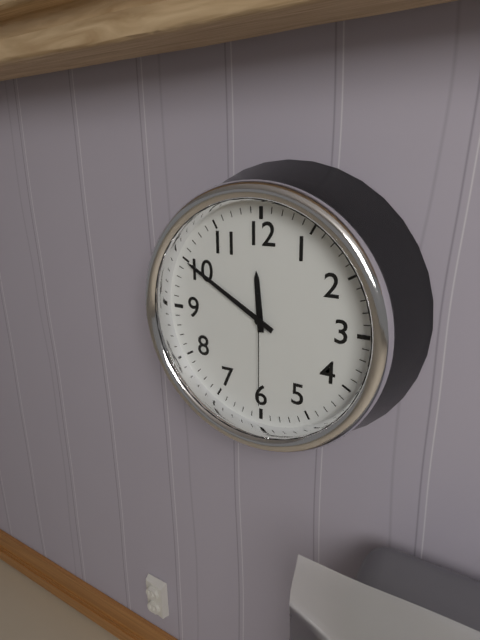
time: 11:50:30
